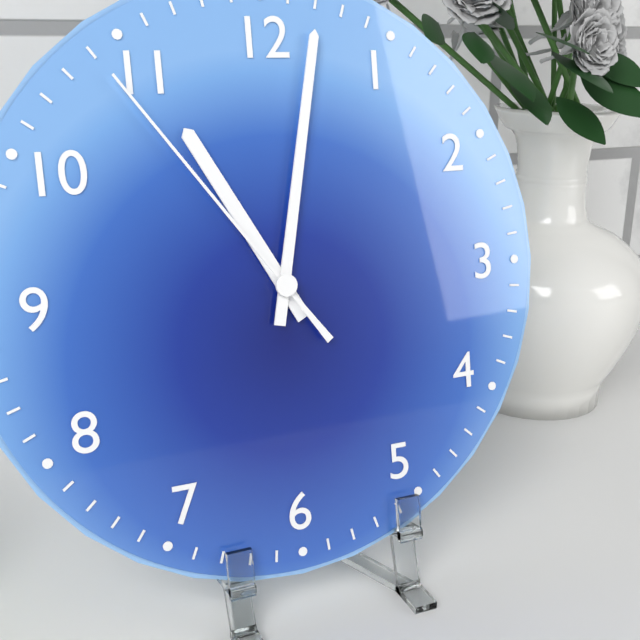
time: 11:02:54
